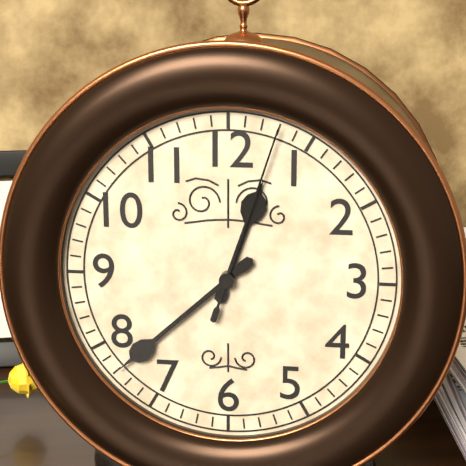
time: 12:38:03
